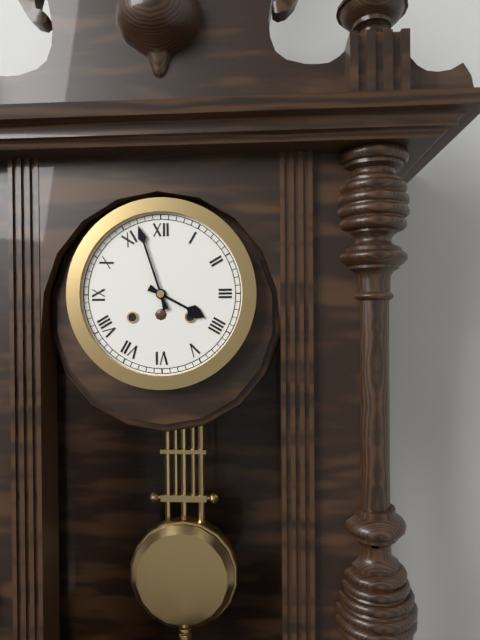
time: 3:57
